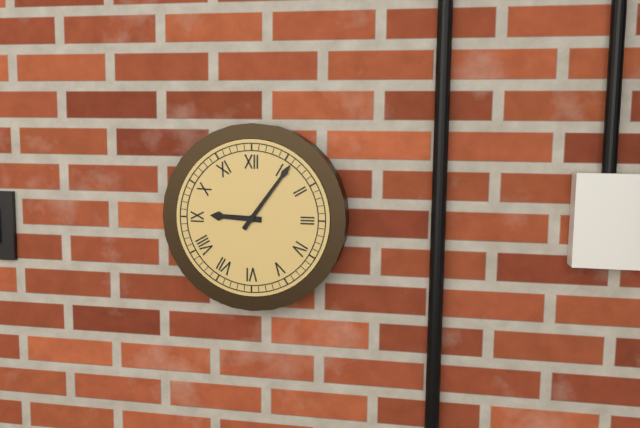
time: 9:06
